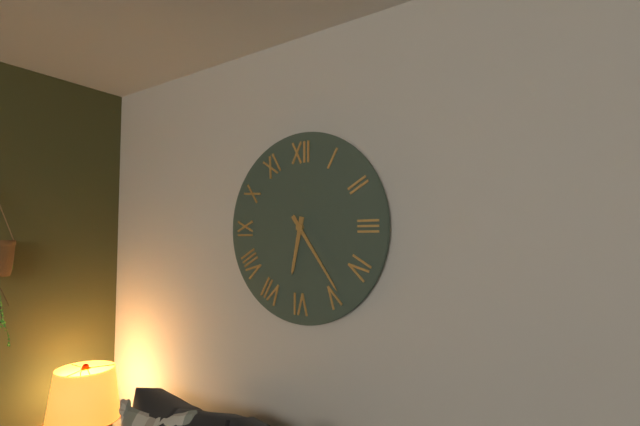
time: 6:24
